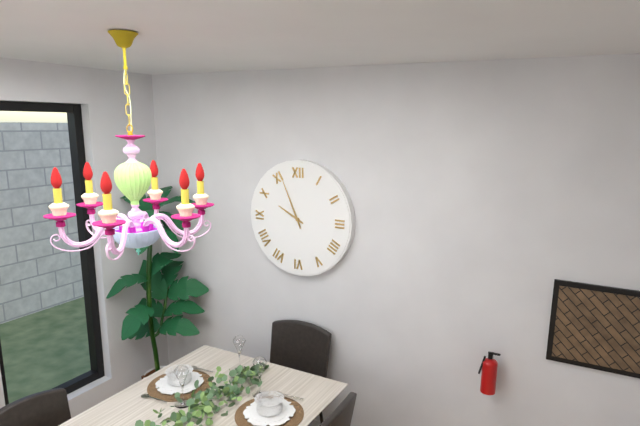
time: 9:56
